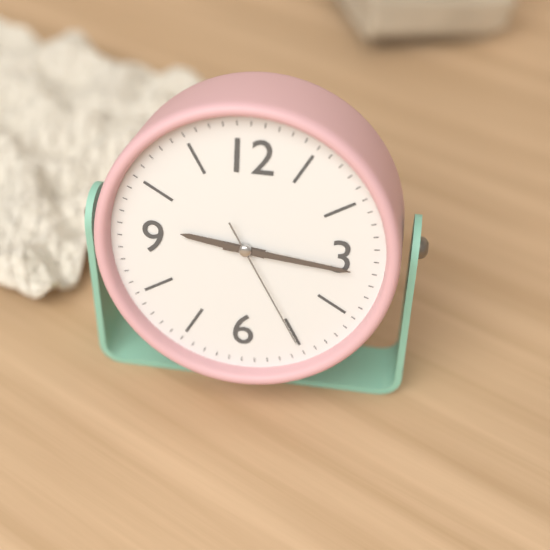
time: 9:16:25
